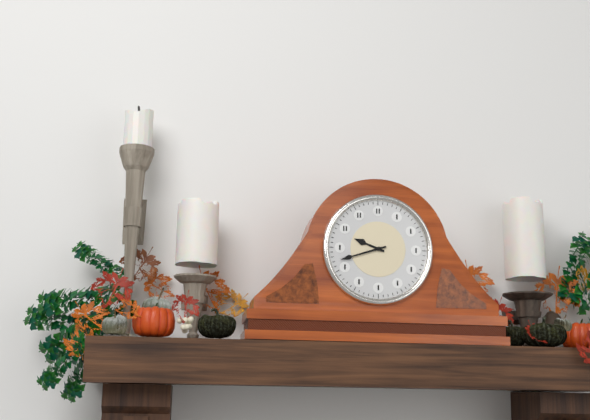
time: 9:42
